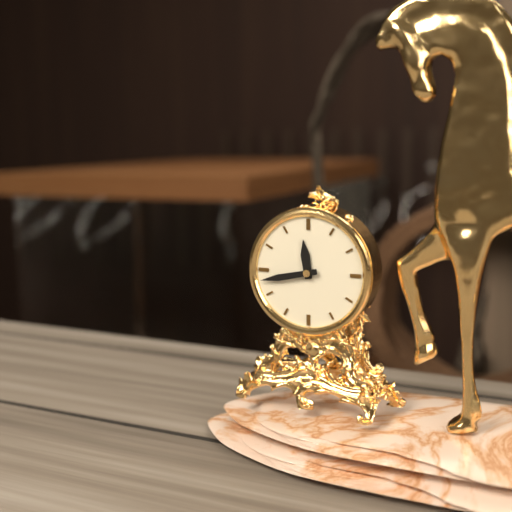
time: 11:43
